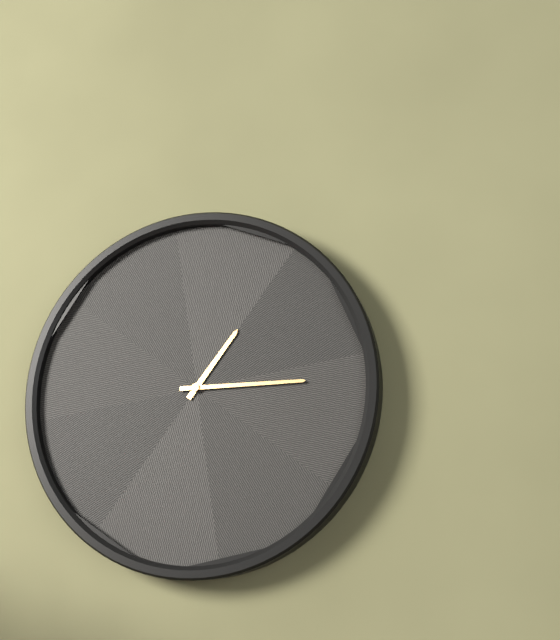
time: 1:15
